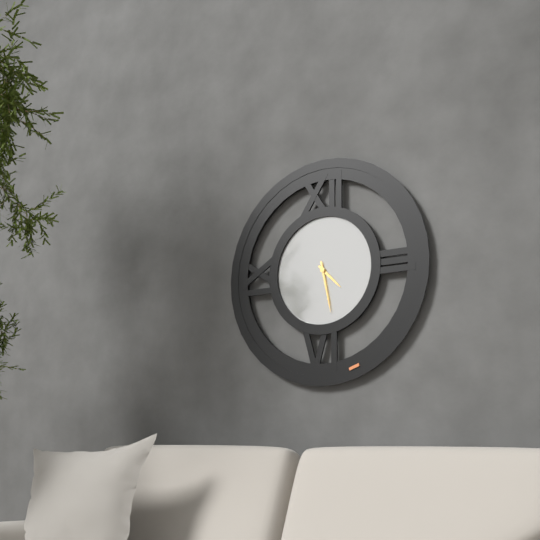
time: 4:28
